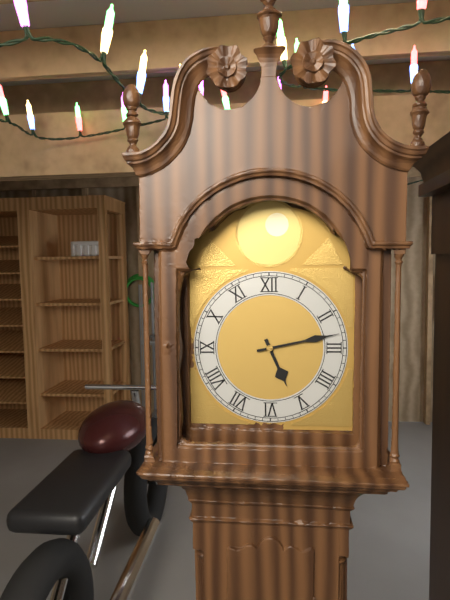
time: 5:13
